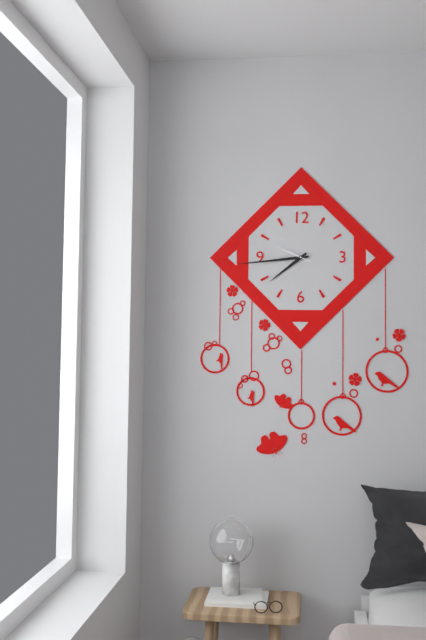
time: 7:44
